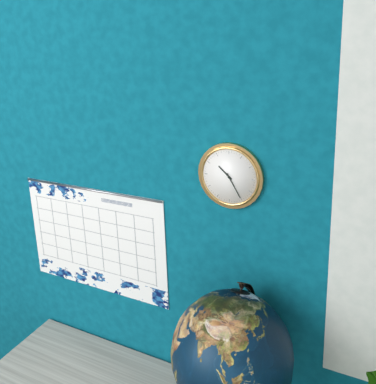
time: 10:25
